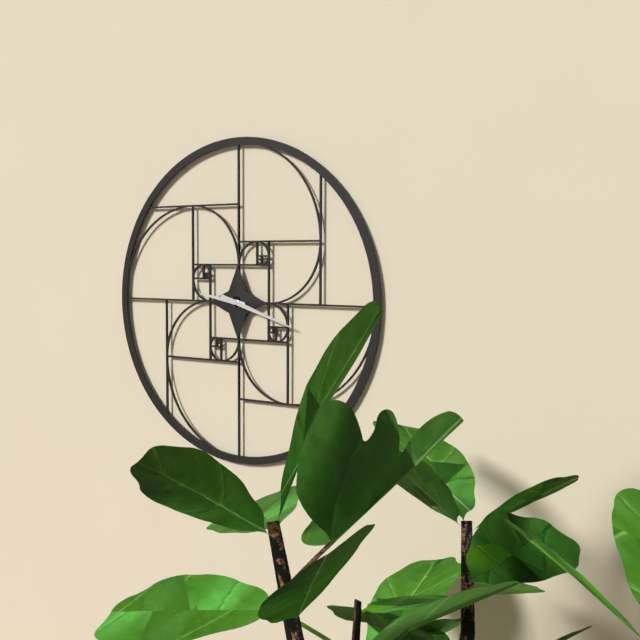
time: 9:18
